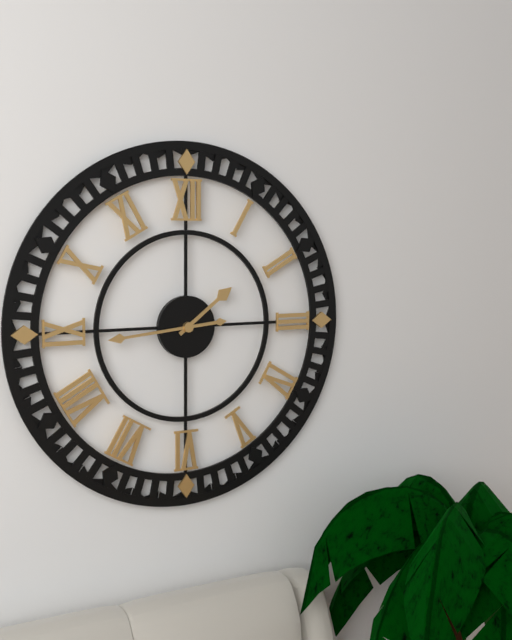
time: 1:44
